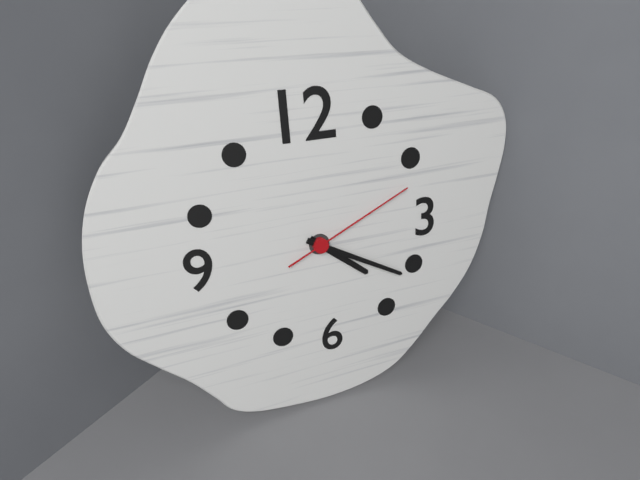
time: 4:20:11
